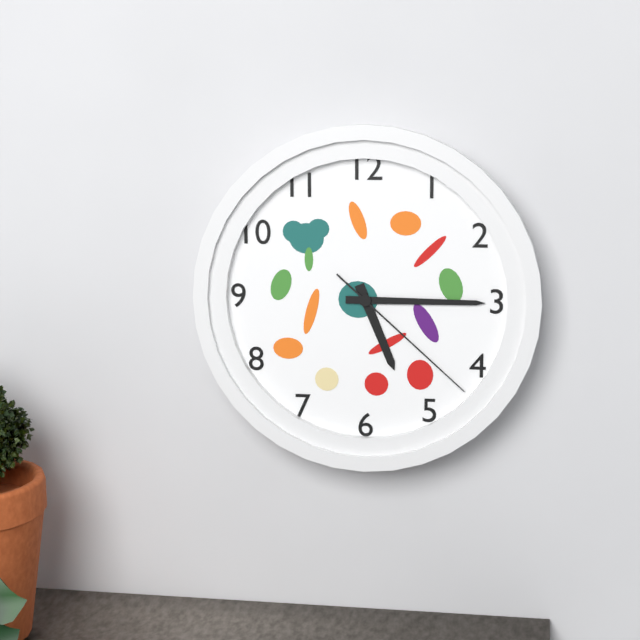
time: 5:15:22
